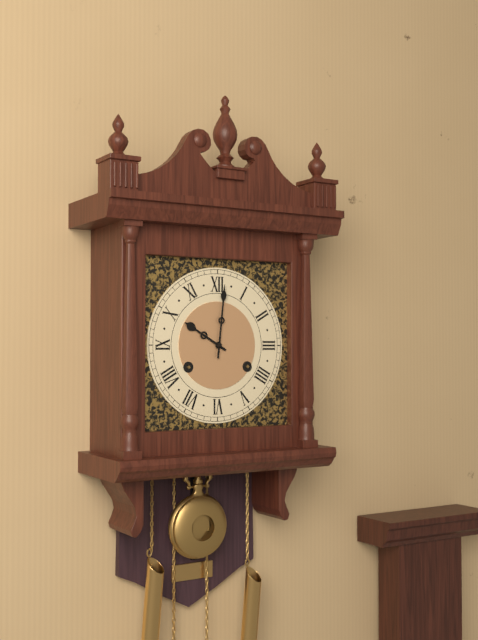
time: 10:01
